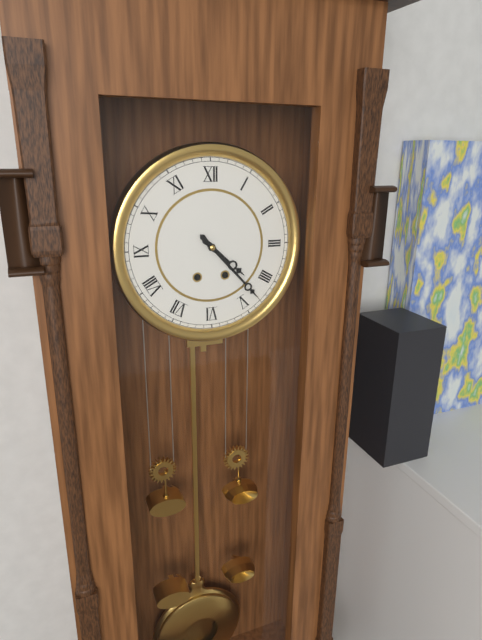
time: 4:23
